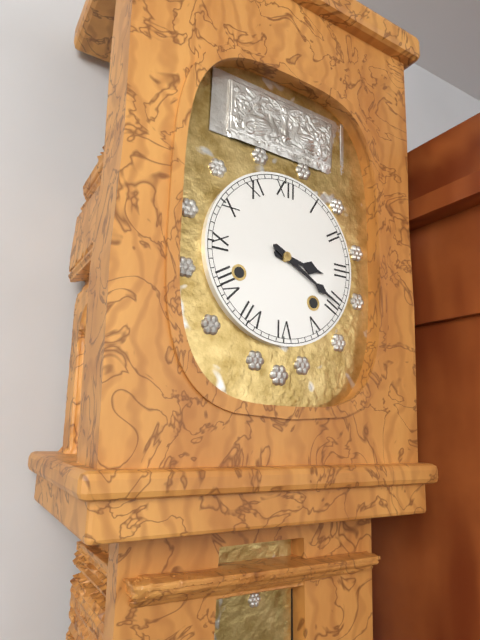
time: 3:20
